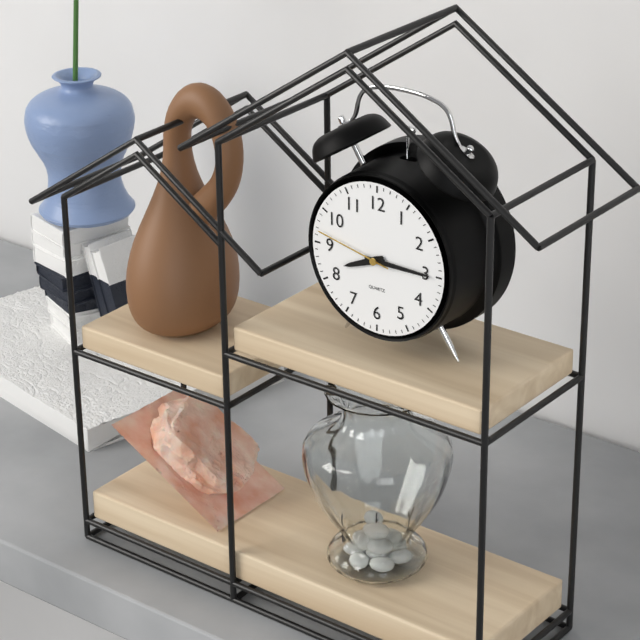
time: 8:15:47
